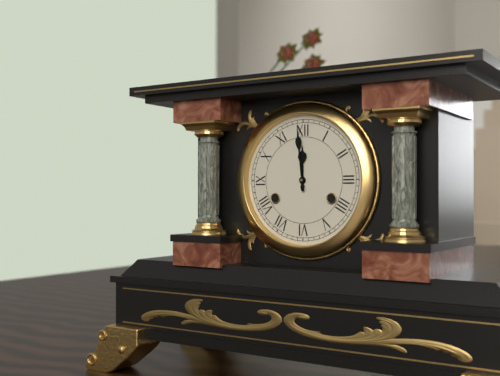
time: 11:59
